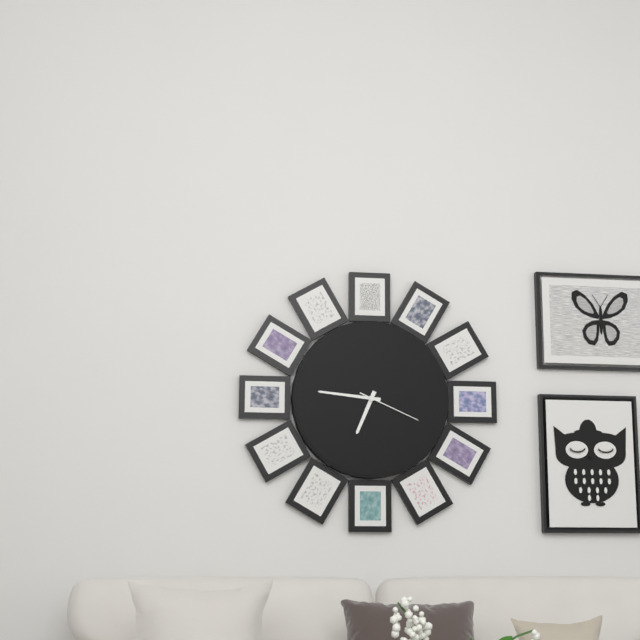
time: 6:46:19
